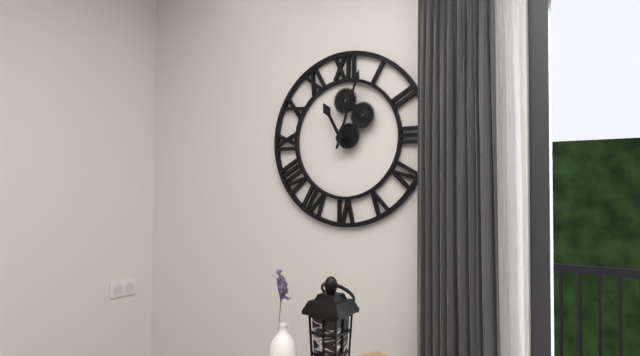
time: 11:03
